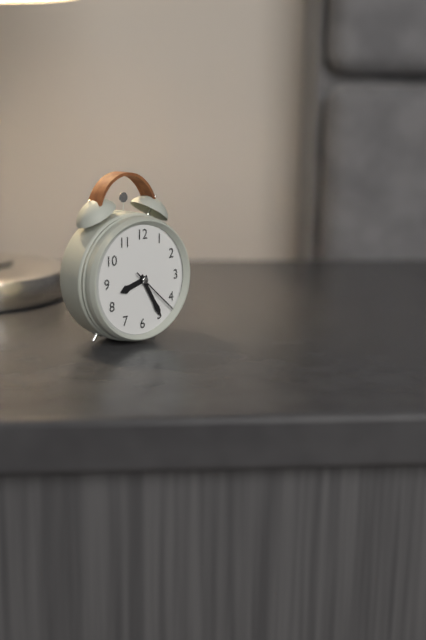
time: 8:25:22
